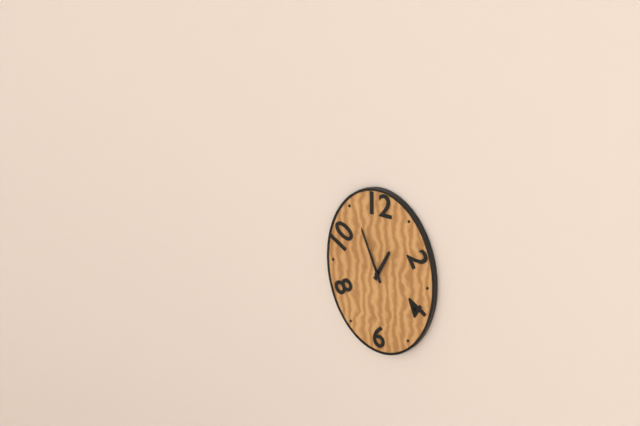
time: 12:56
